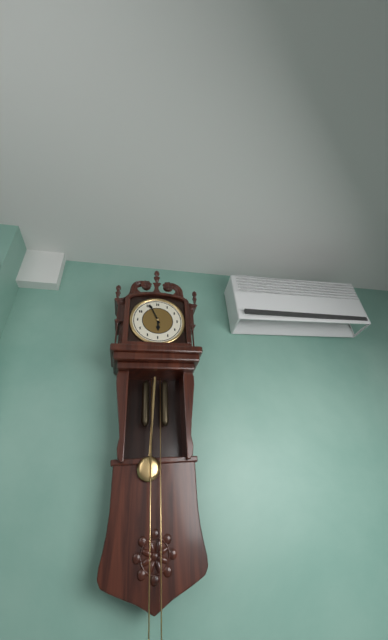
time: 5:56
